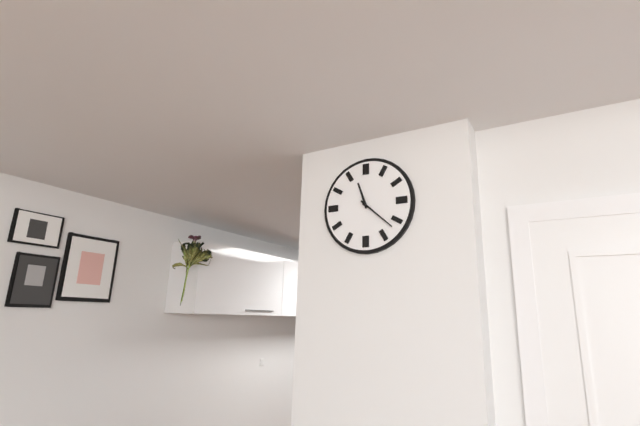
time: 11:22
